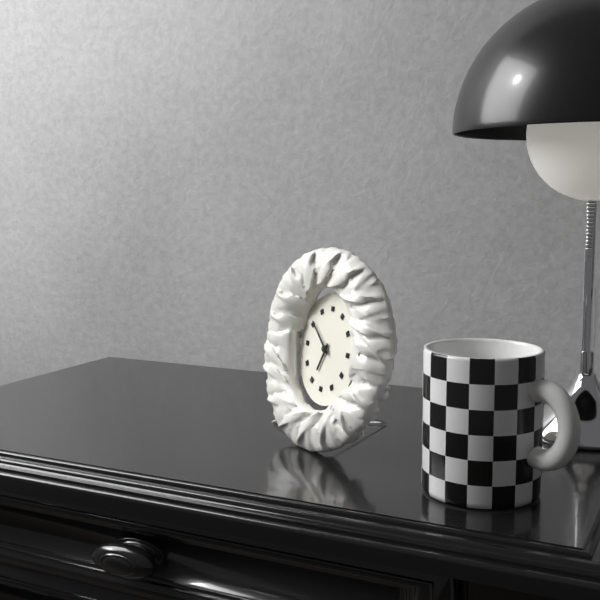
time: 6:51
